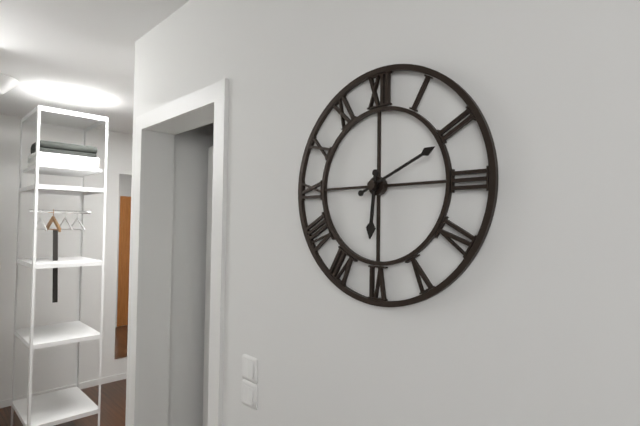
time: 6:11
